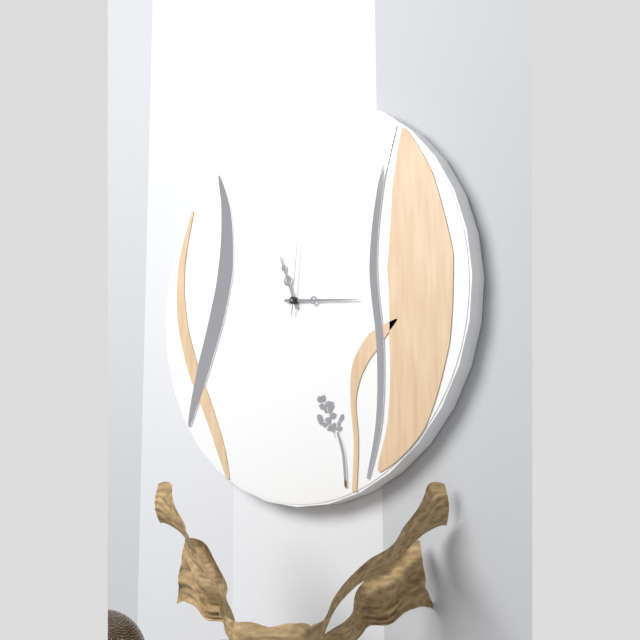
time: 11:16:01
